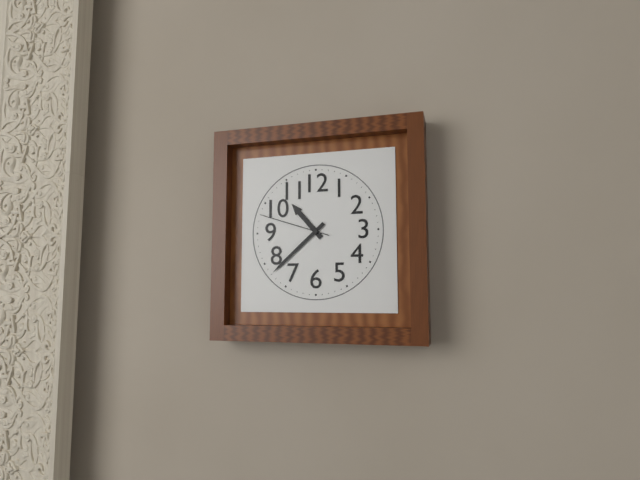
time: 10:38:48
